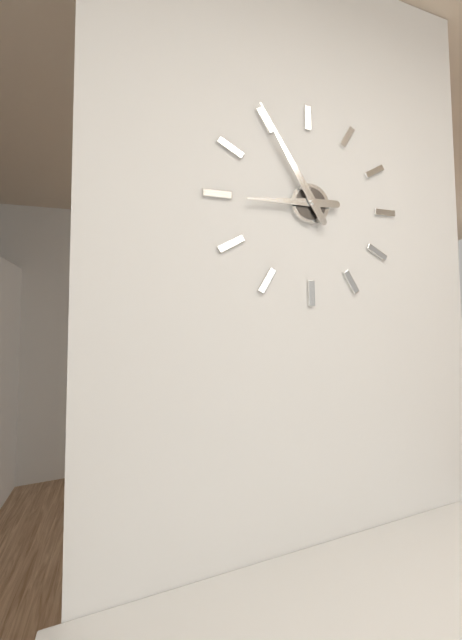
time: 8:55
